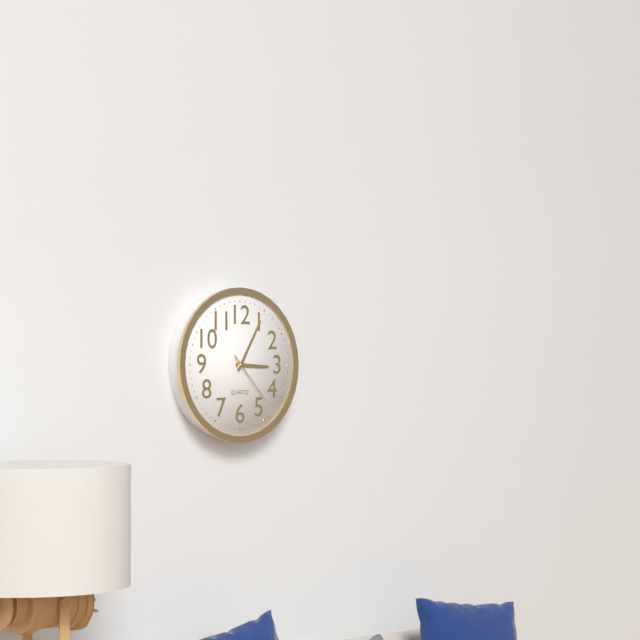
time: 3:05:23
